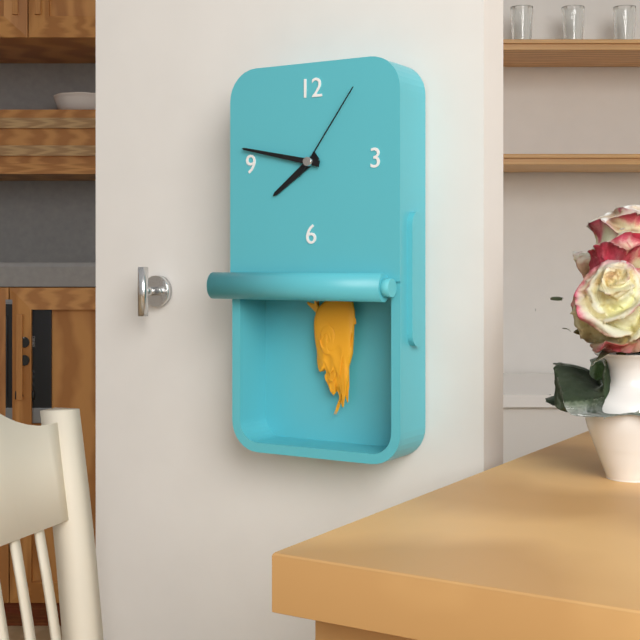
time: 7:47:06
